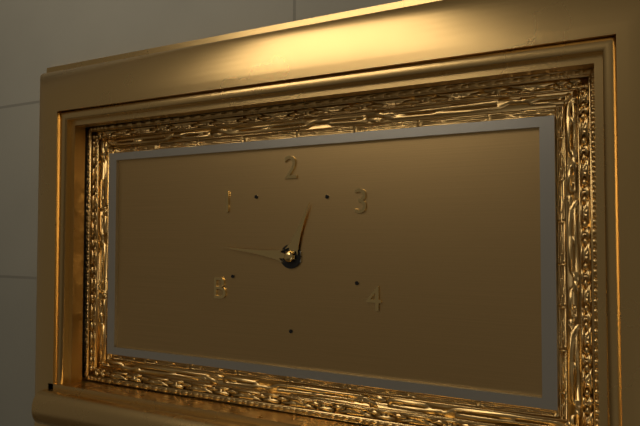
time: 12:46
